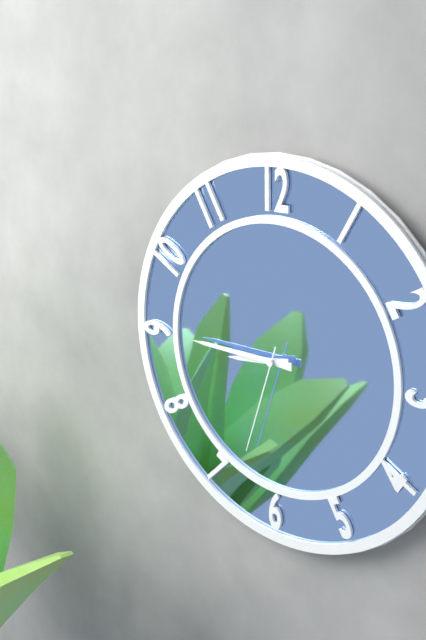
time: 8:45:33
